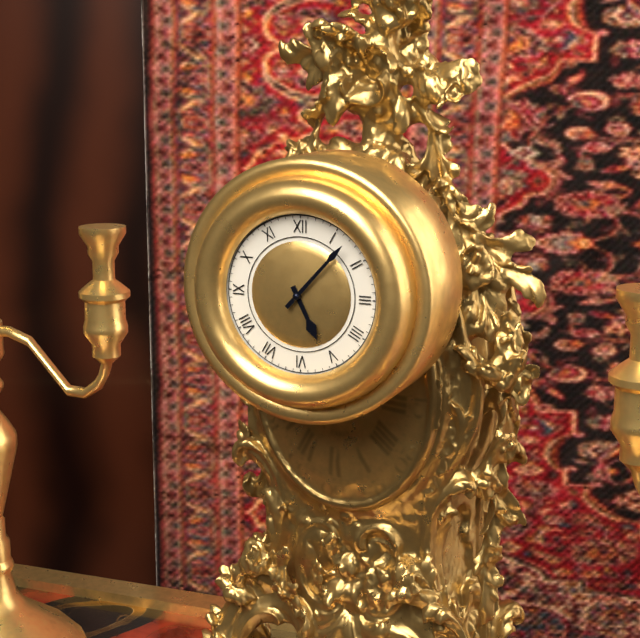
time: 5:07
